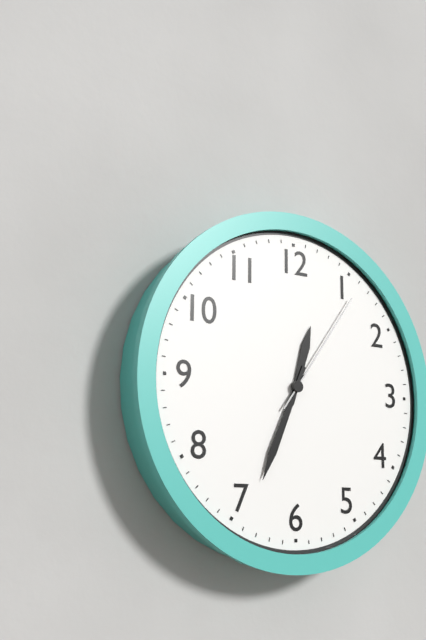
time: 12:34:06
